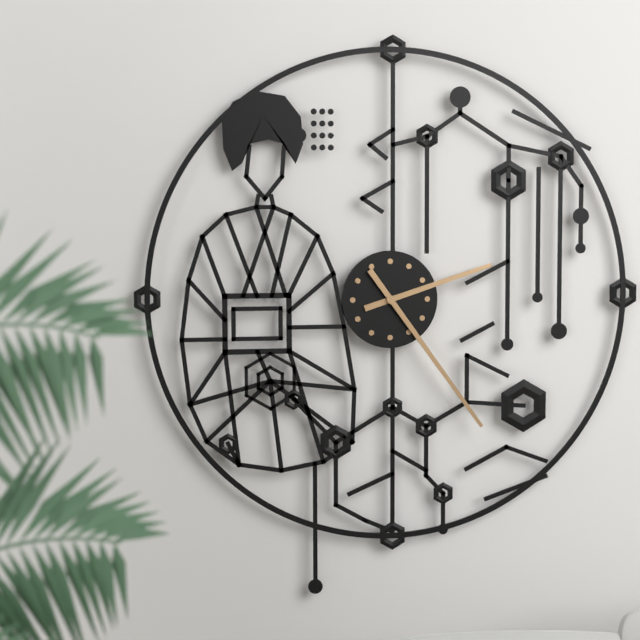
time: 2:24
